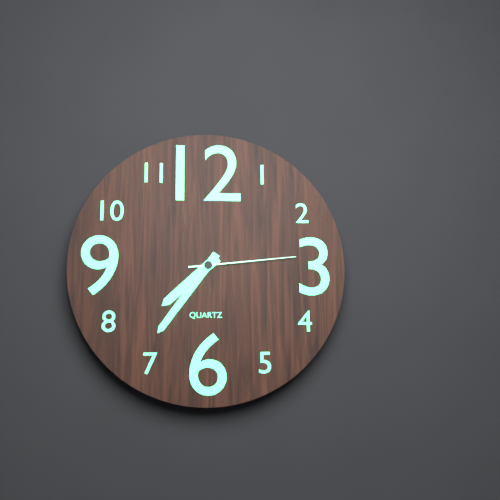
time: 7:36:14
